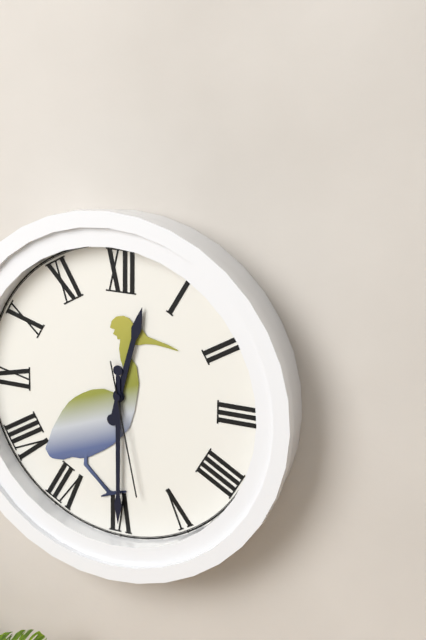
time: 12:30:28
